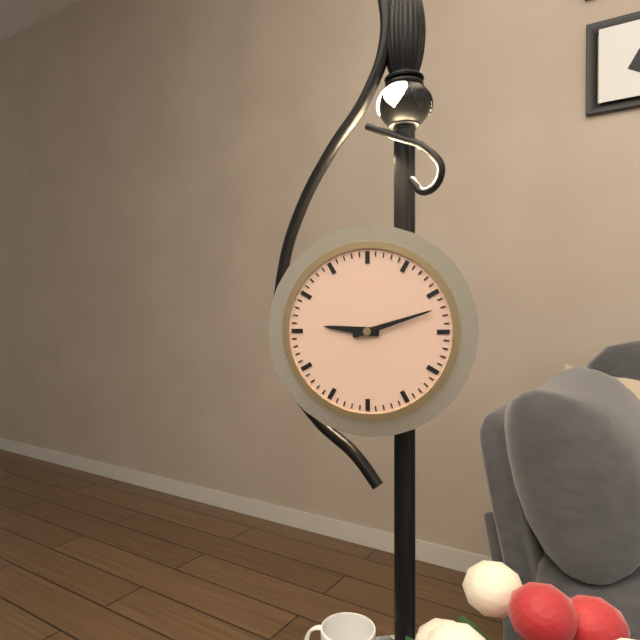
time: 9:12
